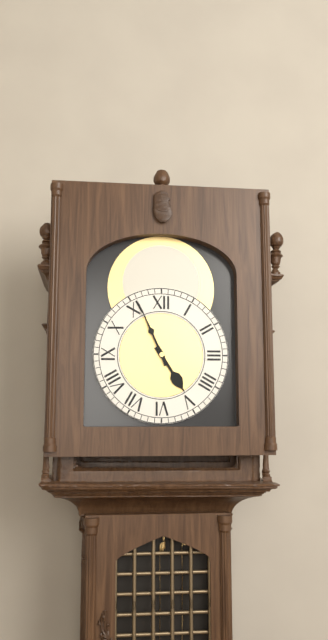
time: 4:56
